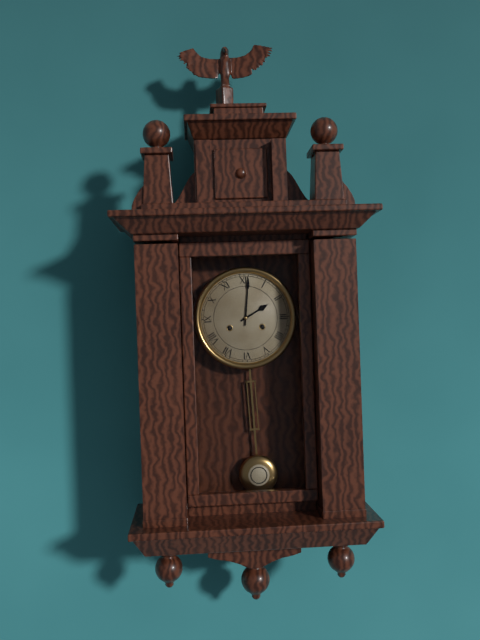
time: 2:01
